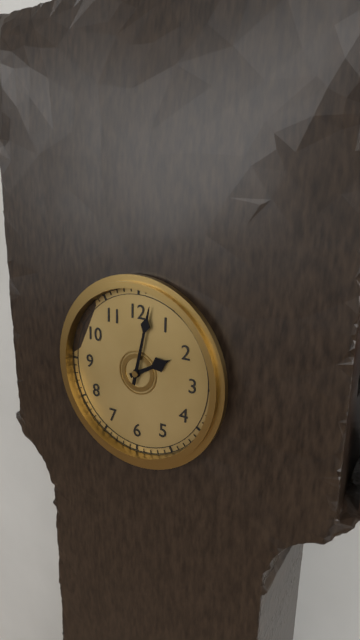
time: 2:02
